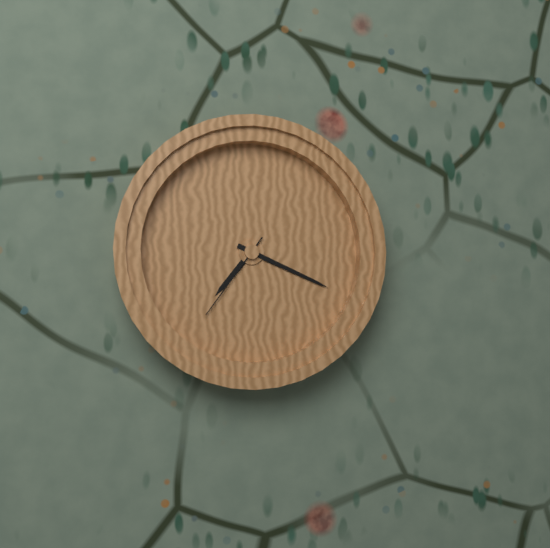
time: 7:19:36
